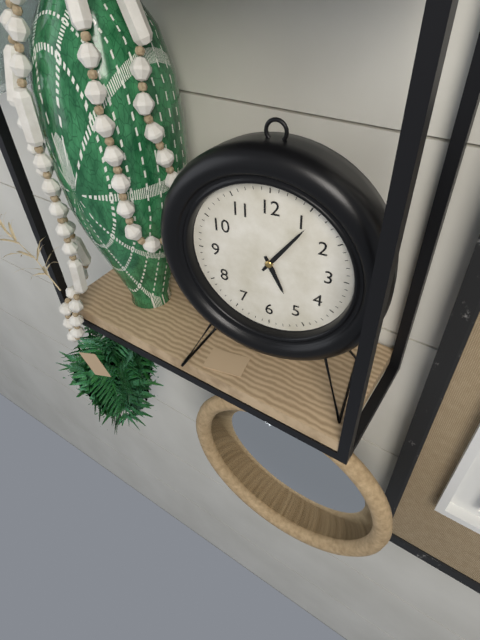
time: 5:06
